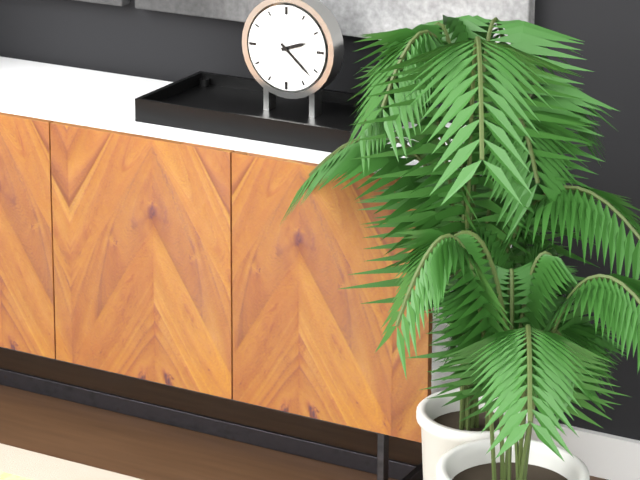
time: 2:22
